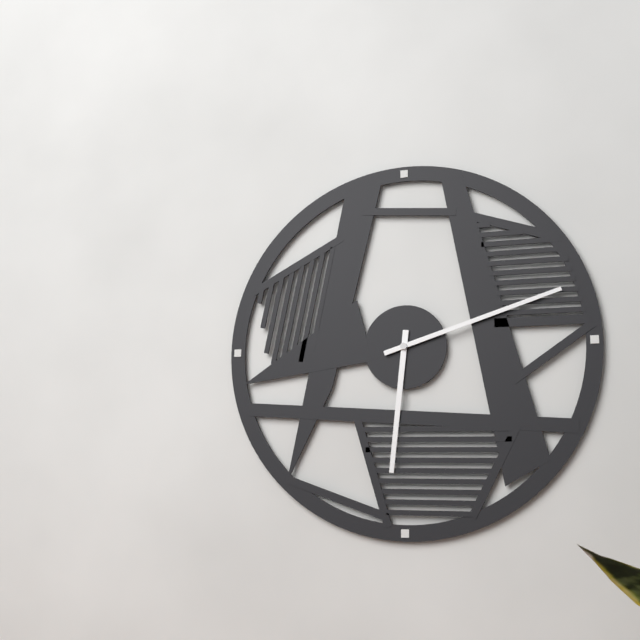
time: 6:12
